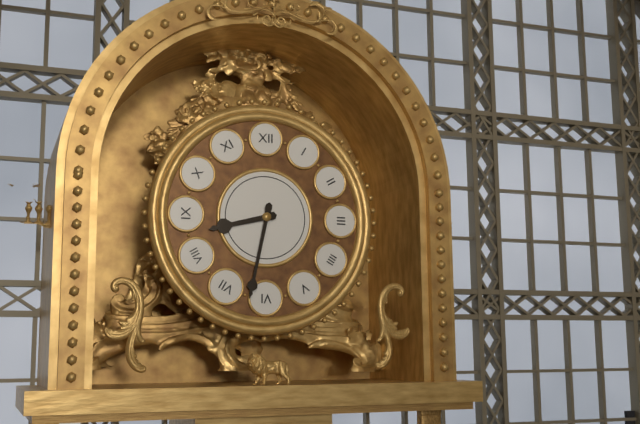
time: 8:32
